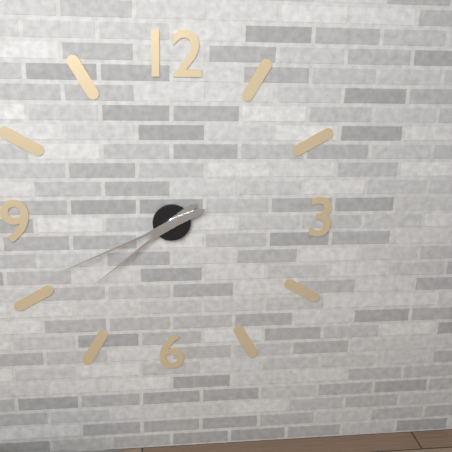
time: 7:41
